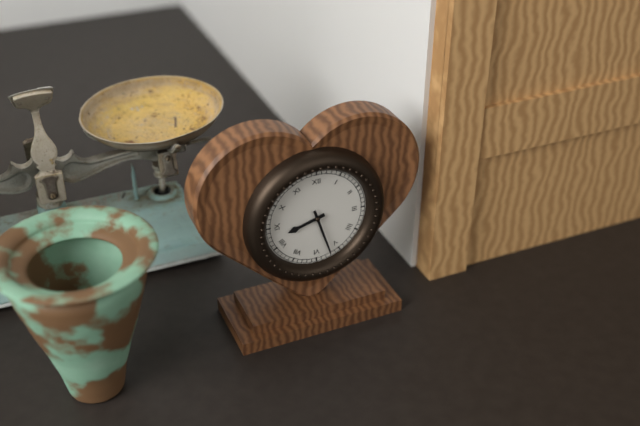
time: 8:27
